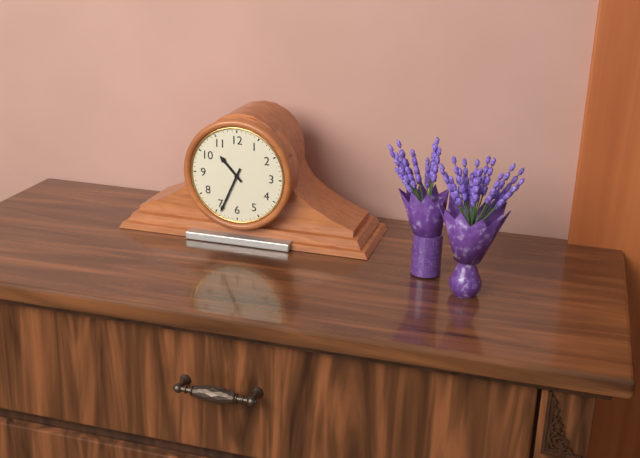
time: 10:34
